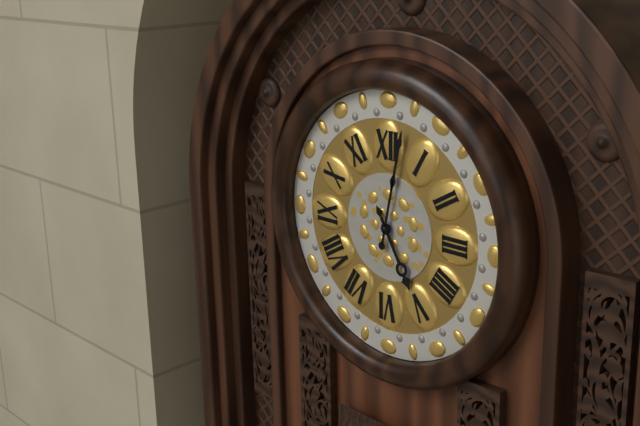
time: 5:02
